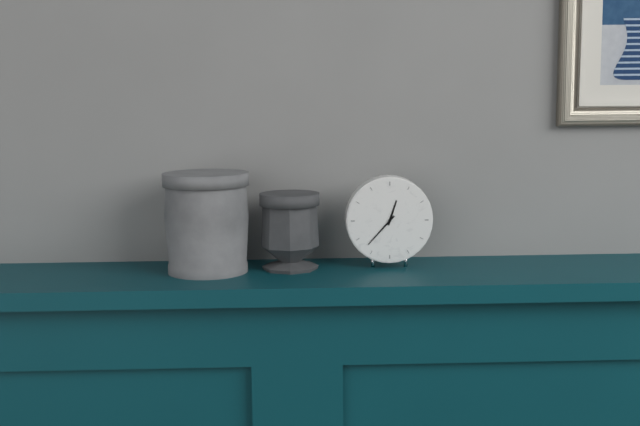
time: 12:37
